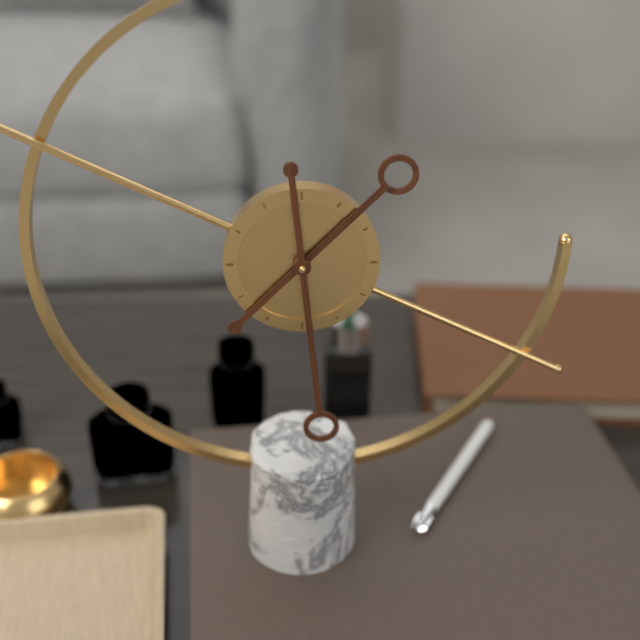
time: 1:29
